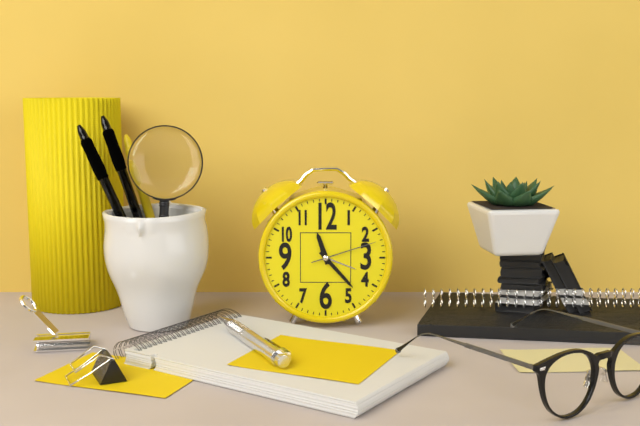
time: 11:23:12
